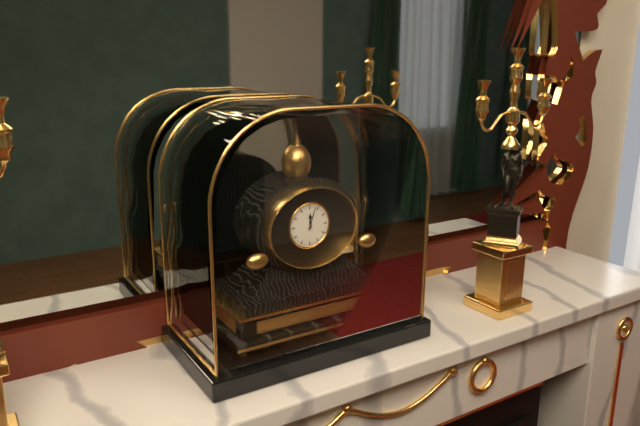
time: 12:03
